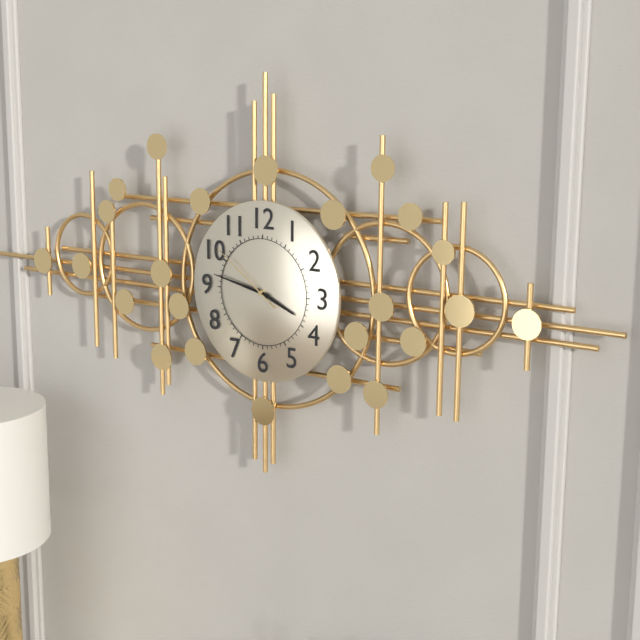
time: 3:47:51
